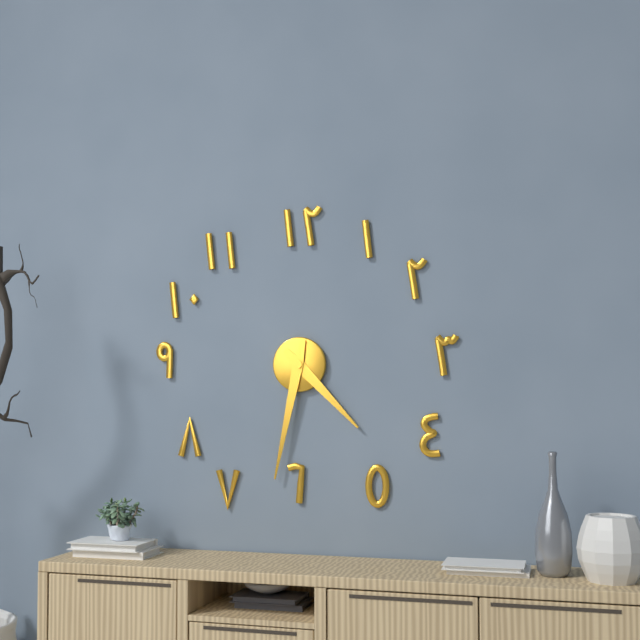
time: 4:32
